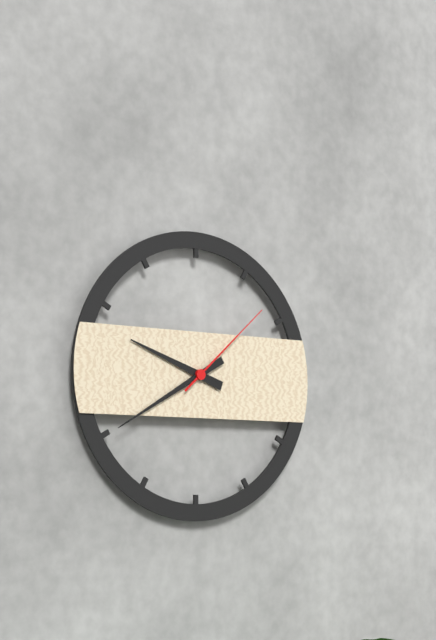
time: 9:40:08
